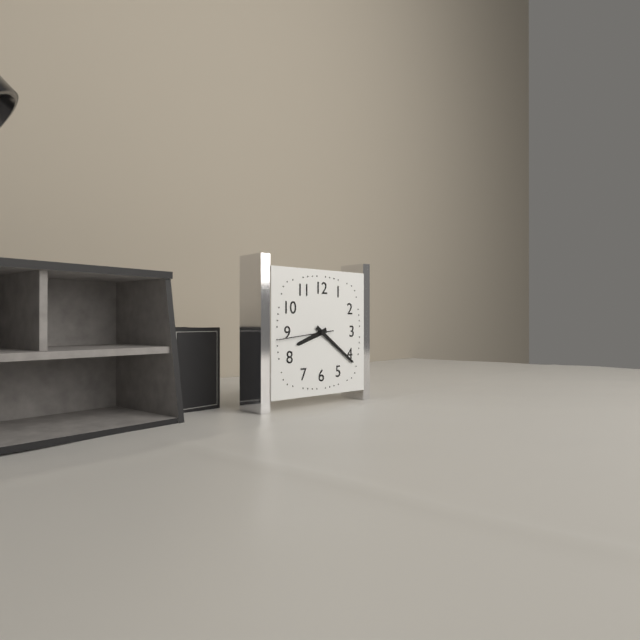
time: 8:21:44
